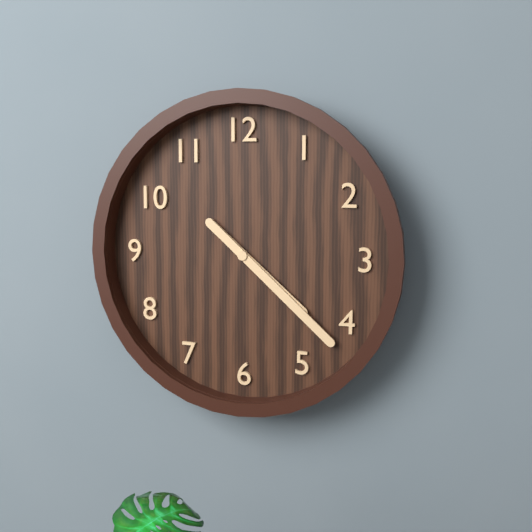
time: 4:22
